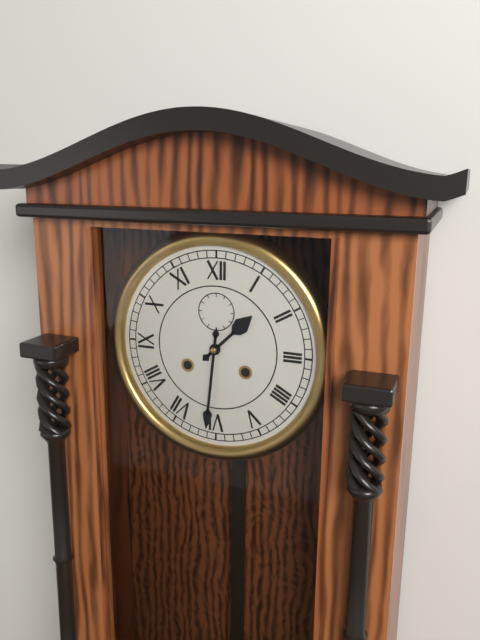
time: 1:31
